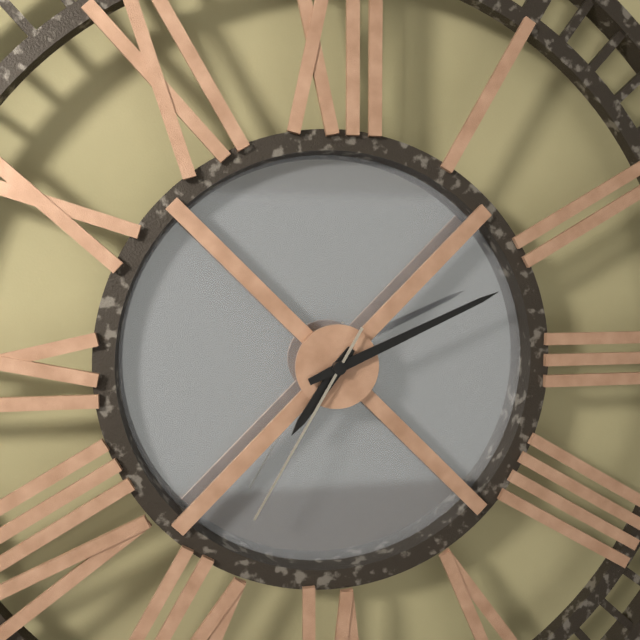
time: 7:11:35
